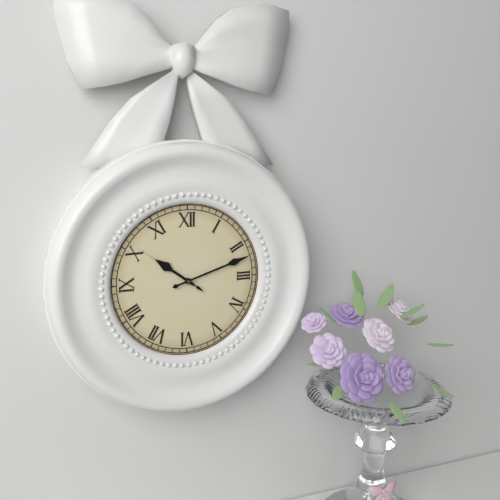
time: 10:12:51
